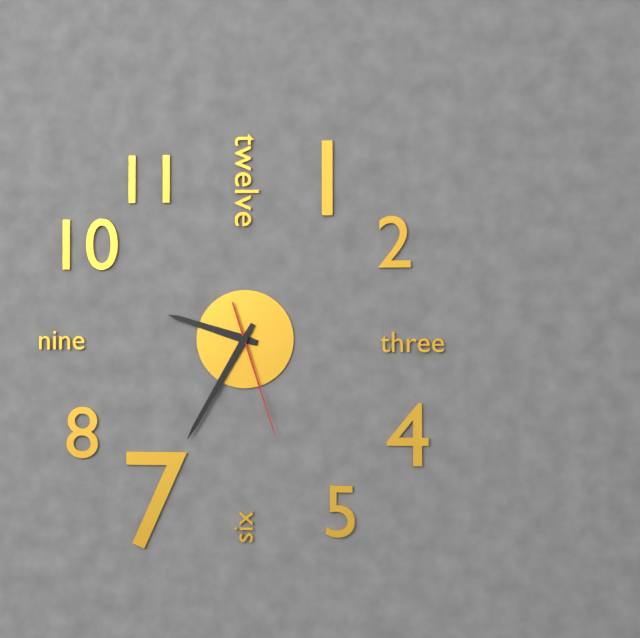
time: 9:35:27
